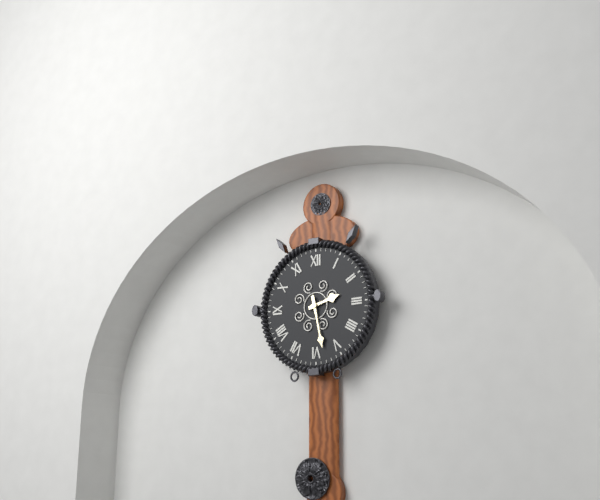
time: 2:28
